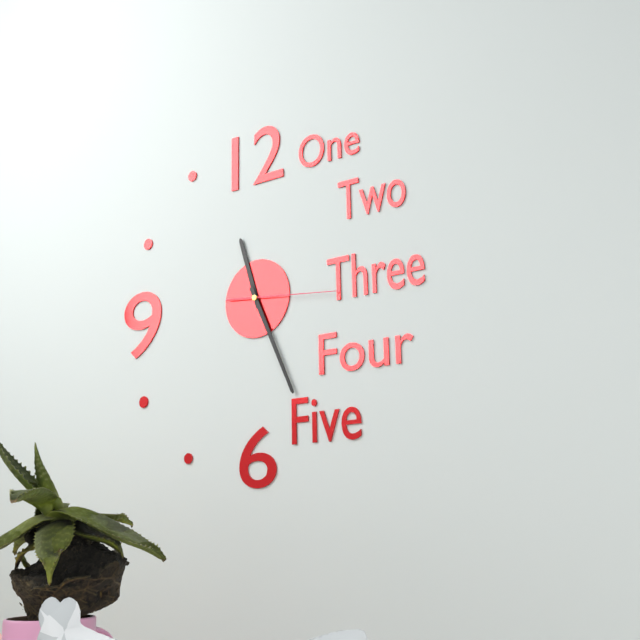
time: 11:26:16
